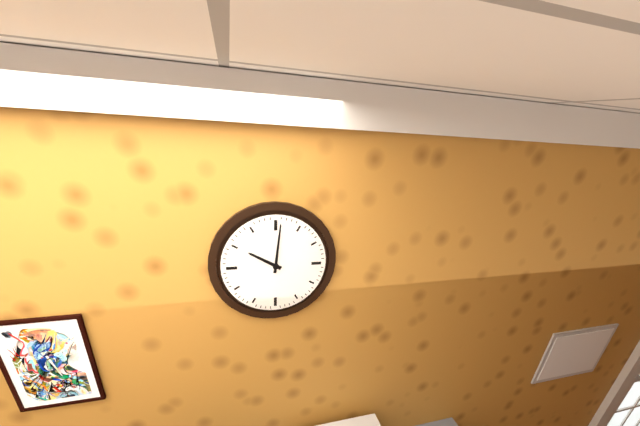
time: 10:01
